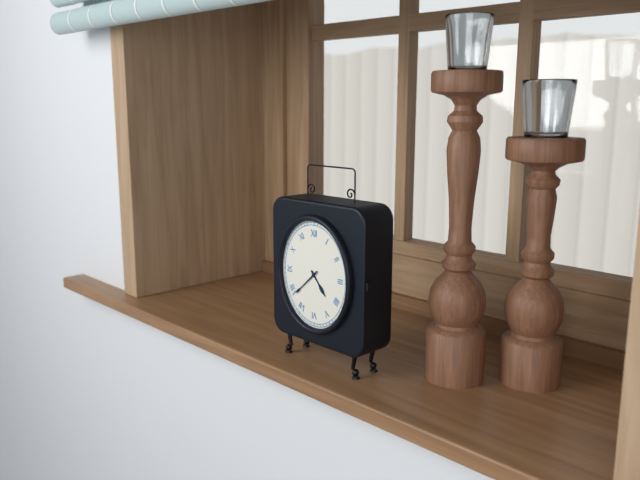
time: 4:38
